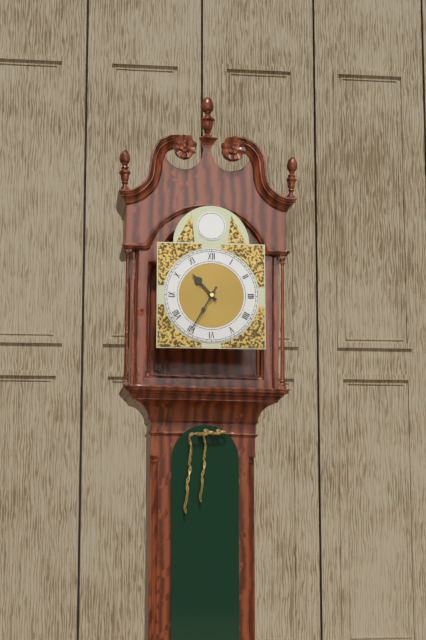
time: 10:35
